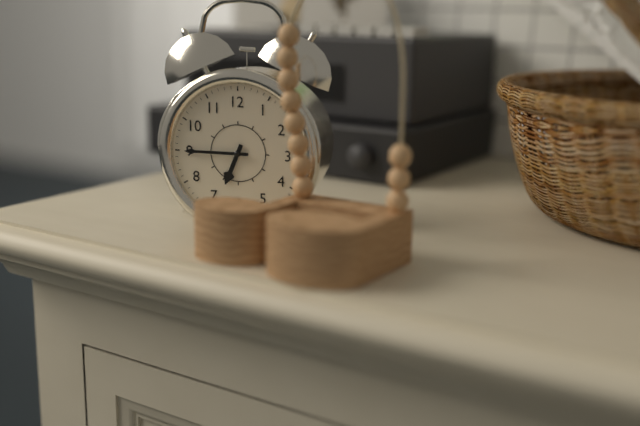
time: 6:45
